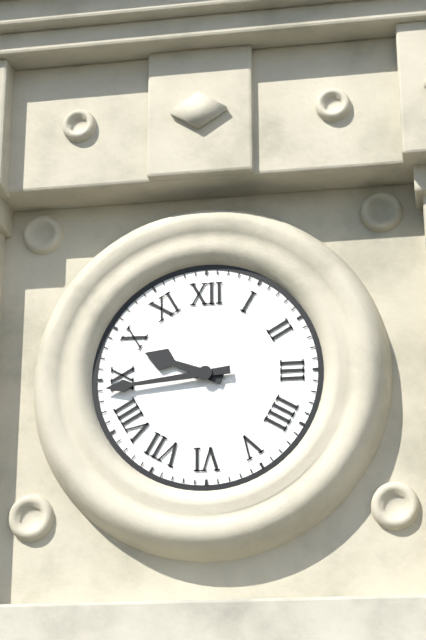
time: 9:44
